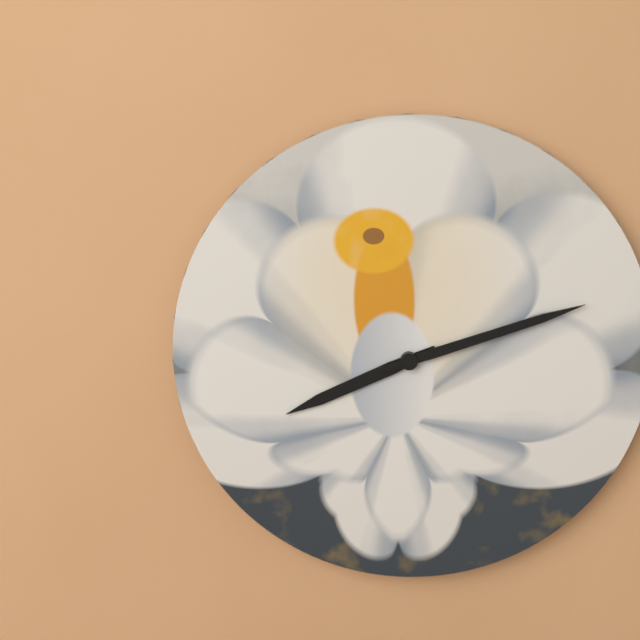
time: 8:12
